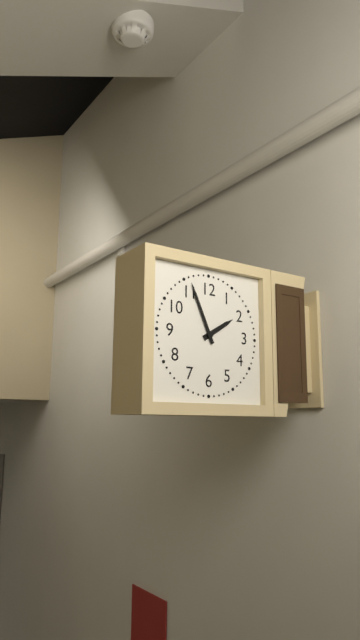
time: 1:56
